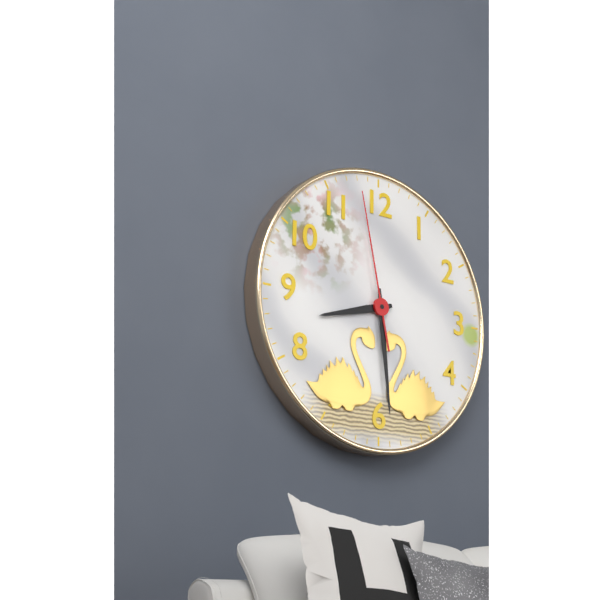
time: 8:29:58
